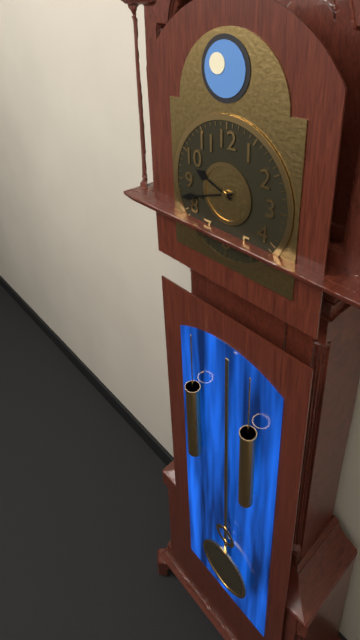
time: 9:42
